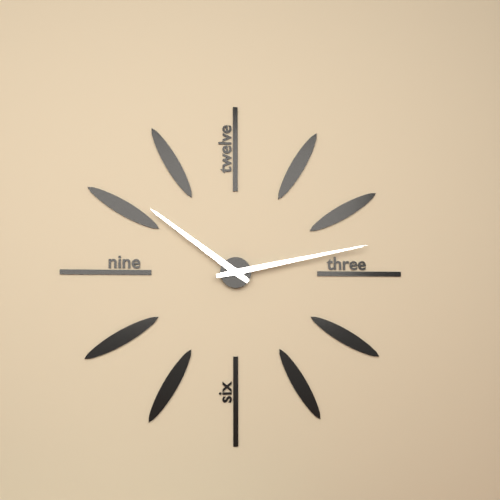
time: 10:13
